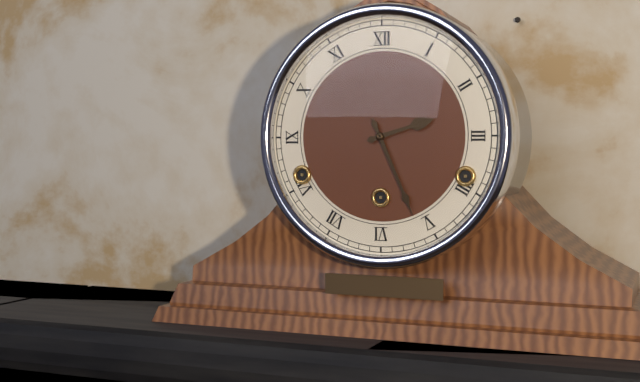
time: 2:26
